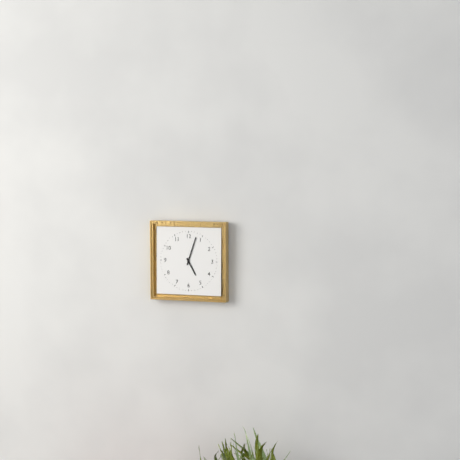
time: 5:03
